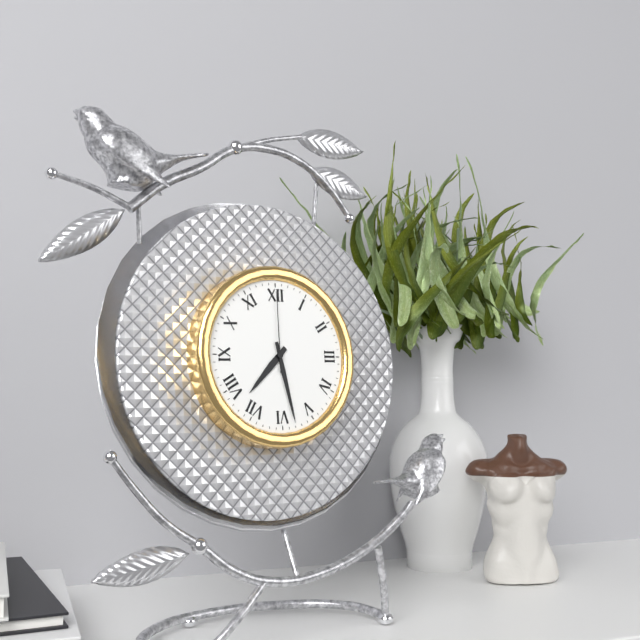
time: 7:28:00
